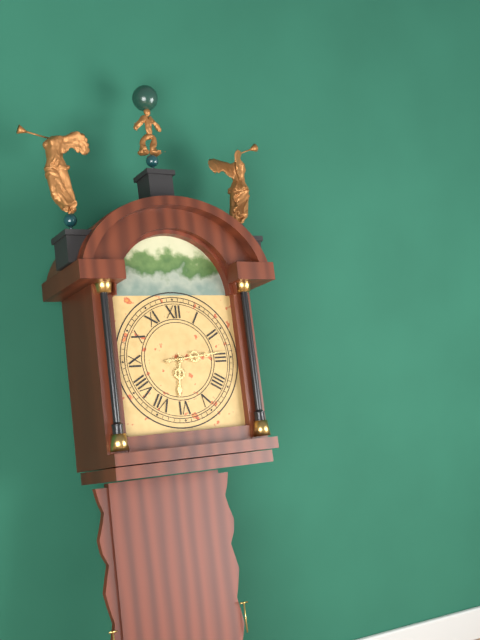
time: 6:14
